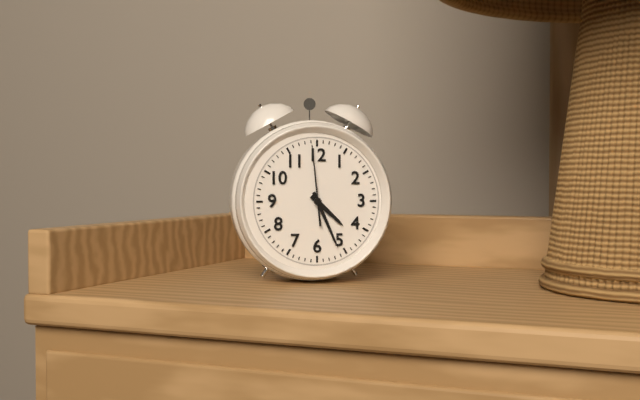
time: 4:26:59
